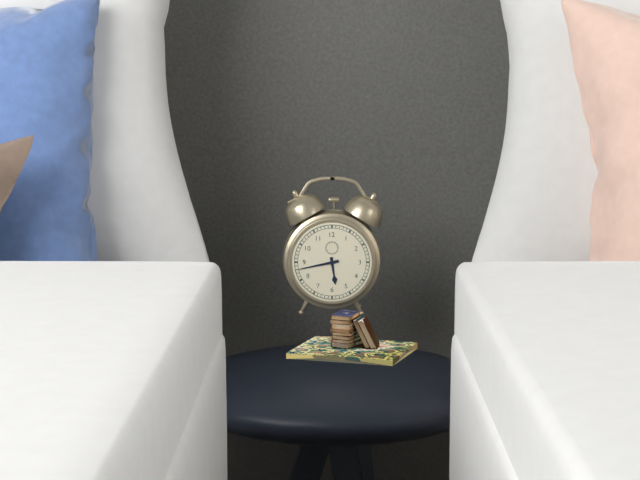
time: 5:43
